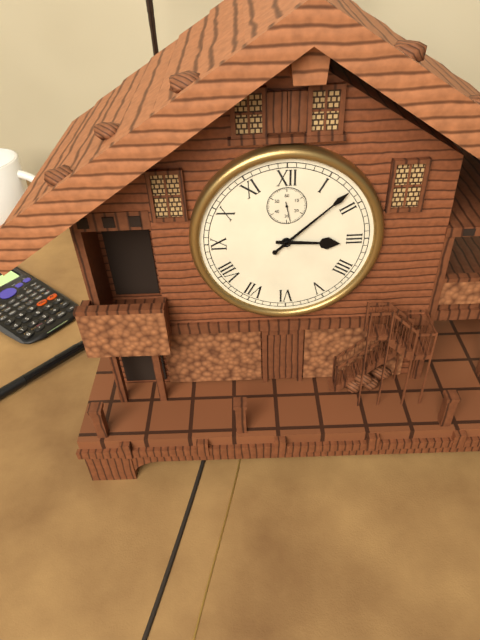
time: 3:08
